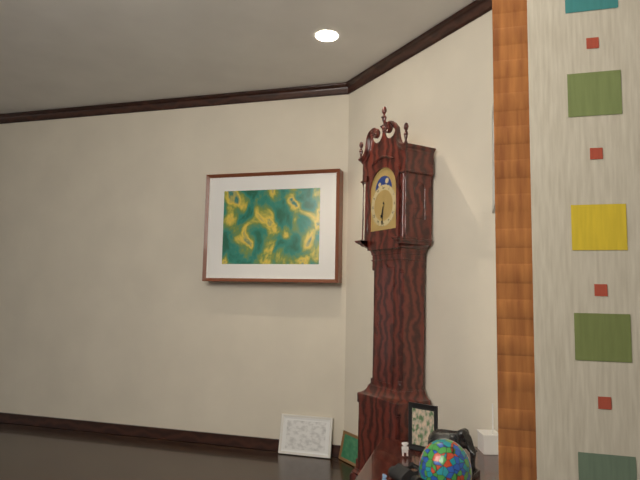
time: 6:31
